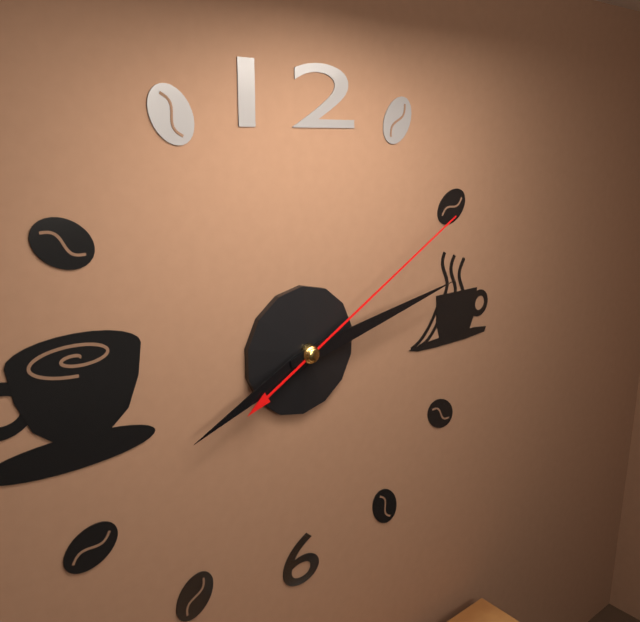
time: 8:13:10
